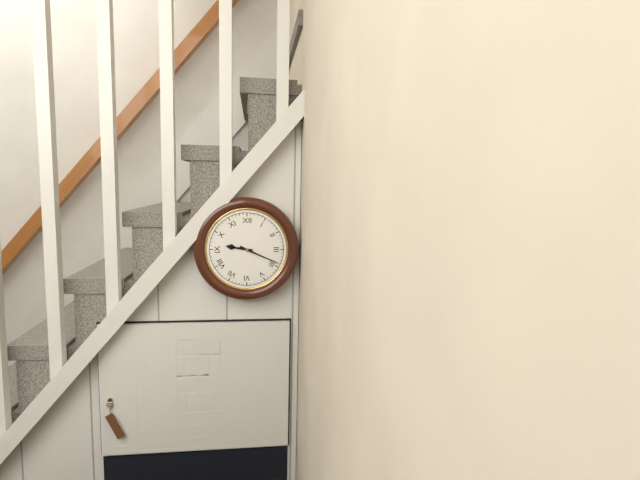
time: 9:19
